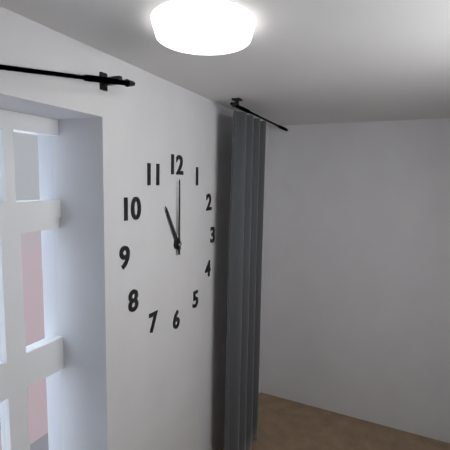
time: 11:00
